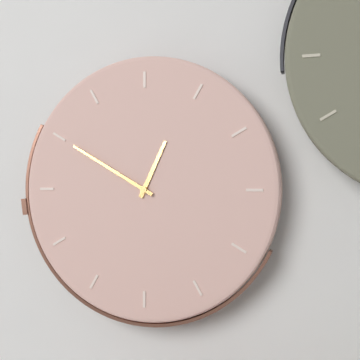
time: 12:50
